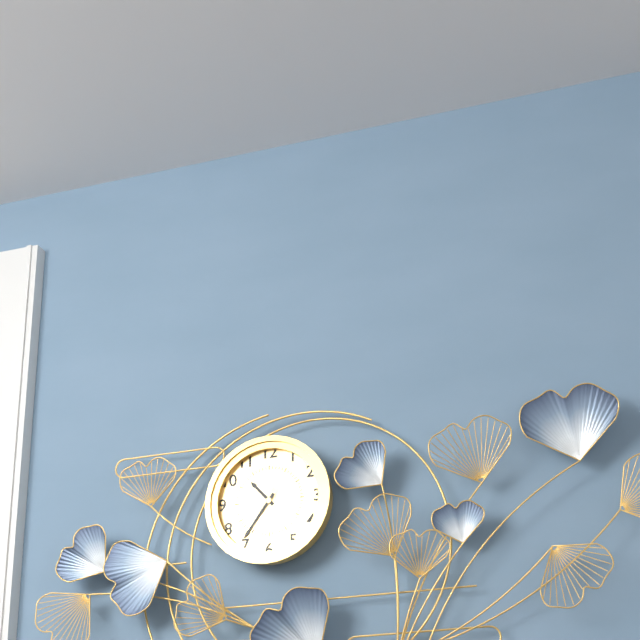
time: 10:36
